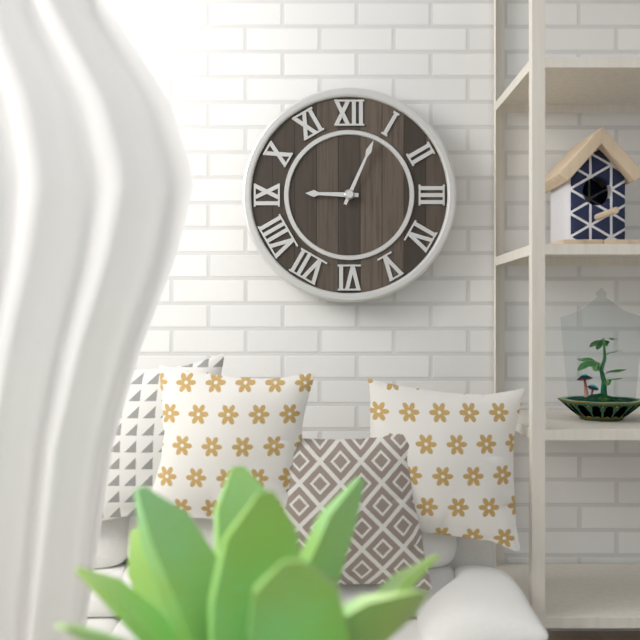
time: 9:04
